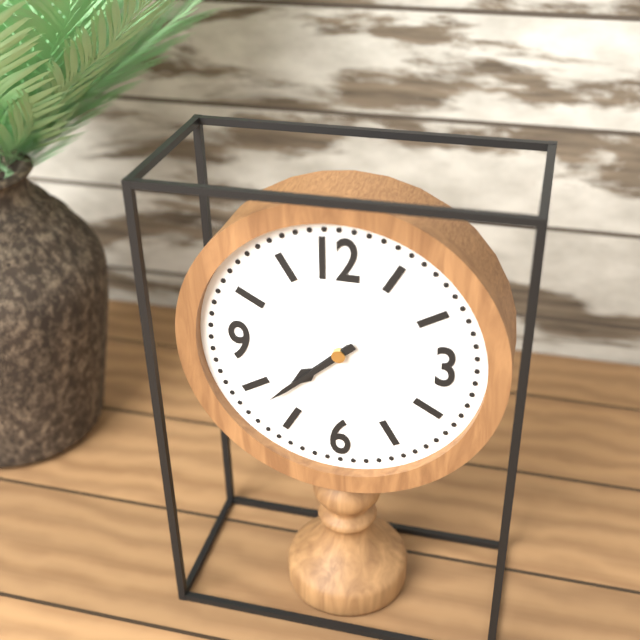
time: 7:38
